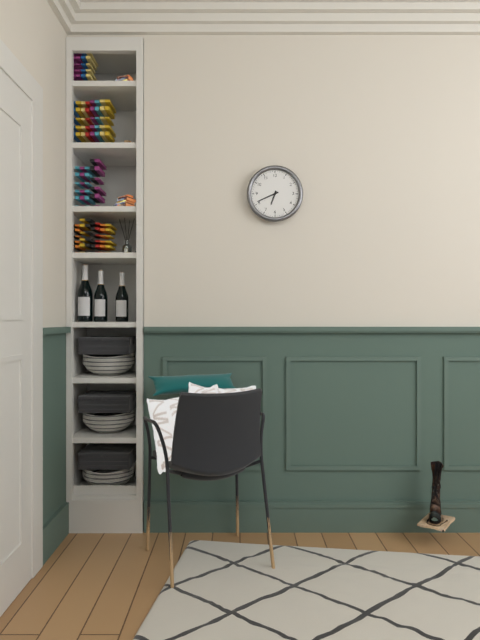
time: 6:41
